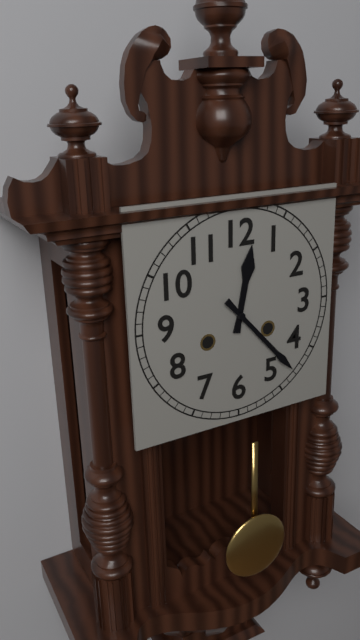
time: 12:23
